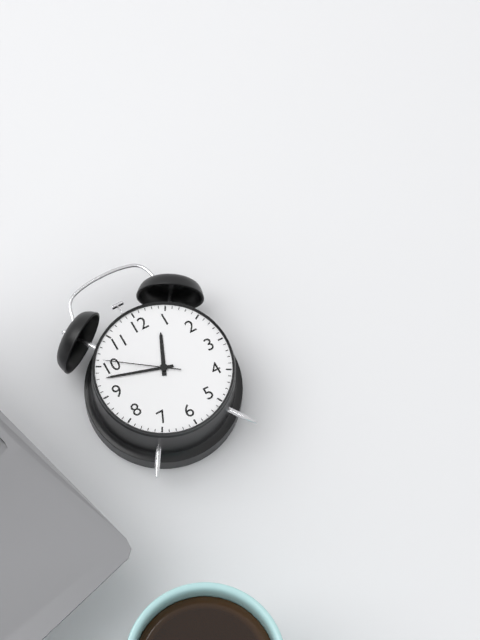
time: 12:48:51
